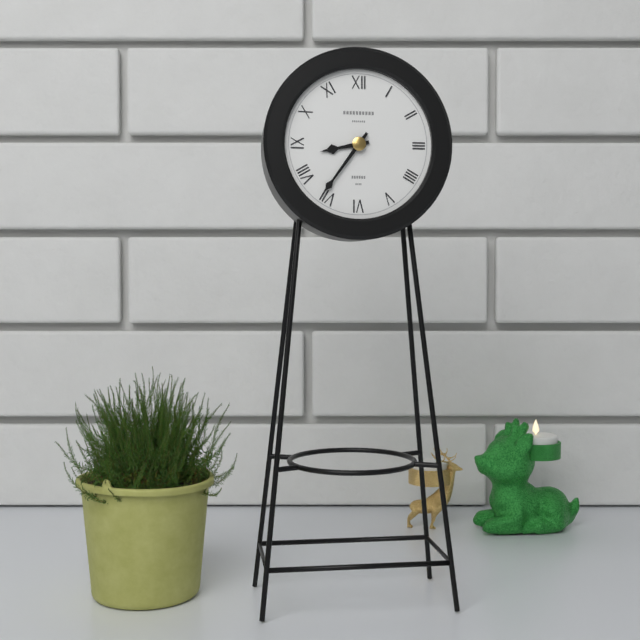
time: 8:36
